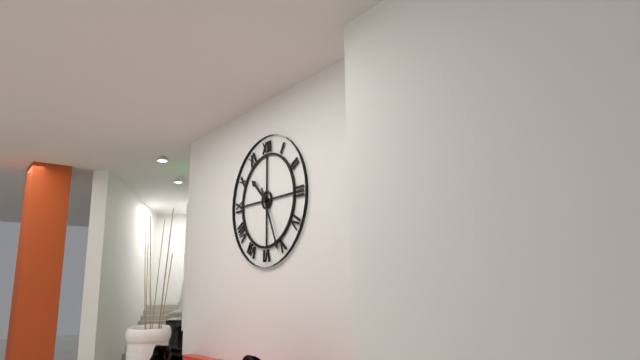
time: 10:26
